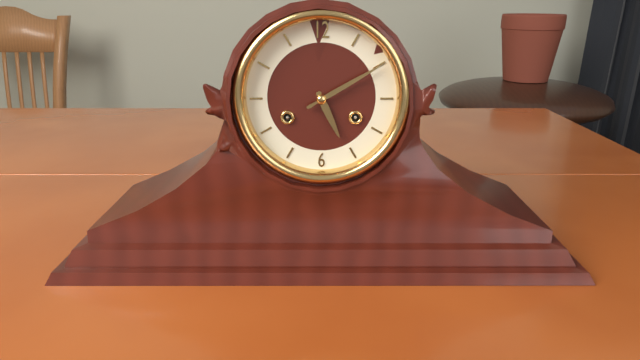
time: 5:10
